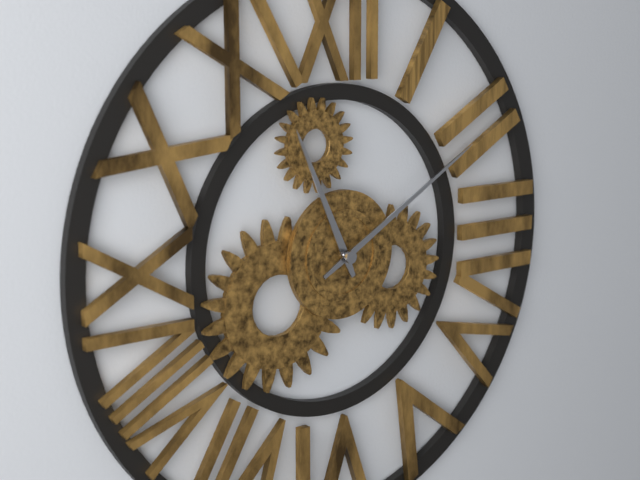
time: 11:10
